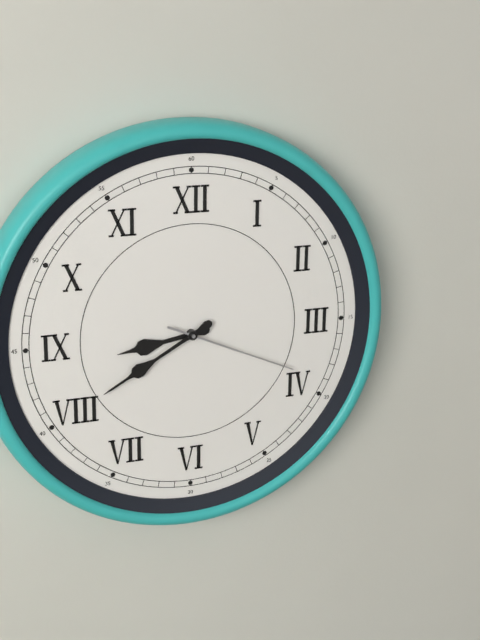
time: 8:40:19
